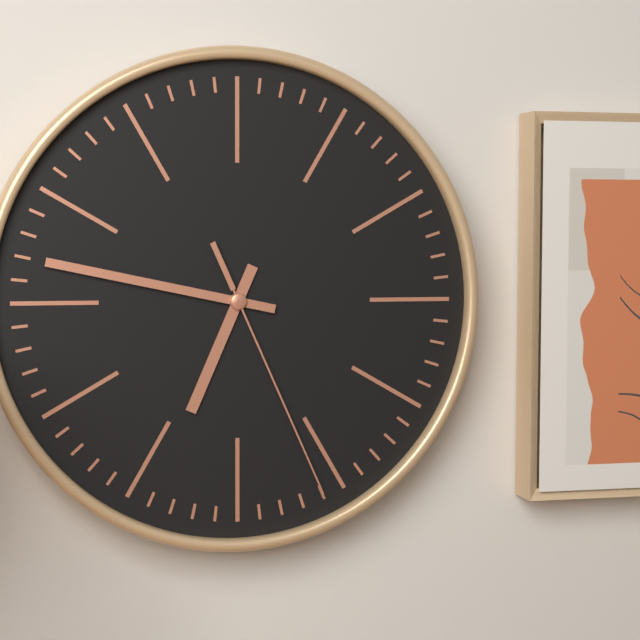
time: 6:47:26
